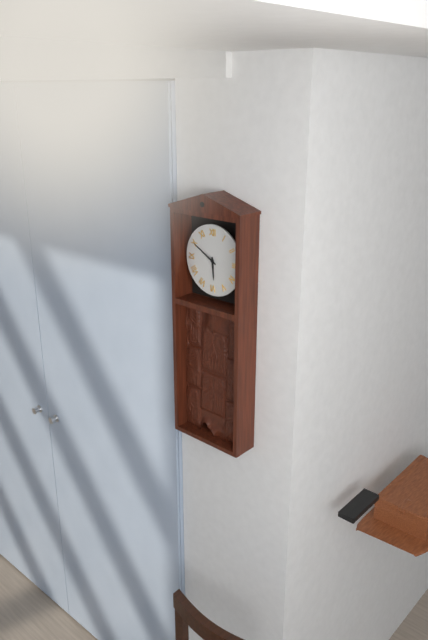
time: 5:50
